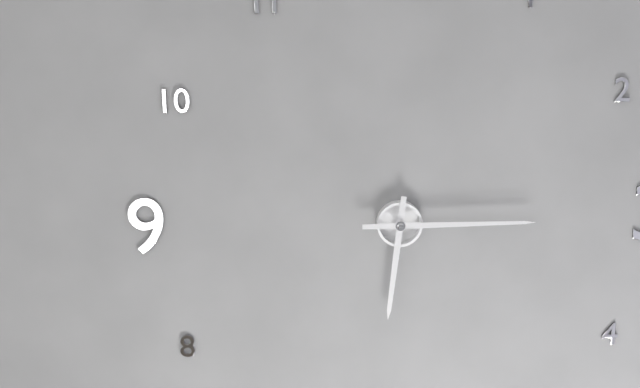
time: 6:15
